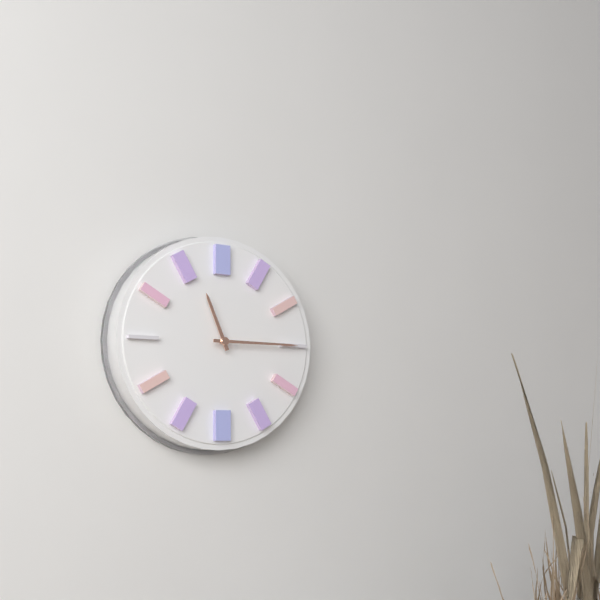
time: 11:15
